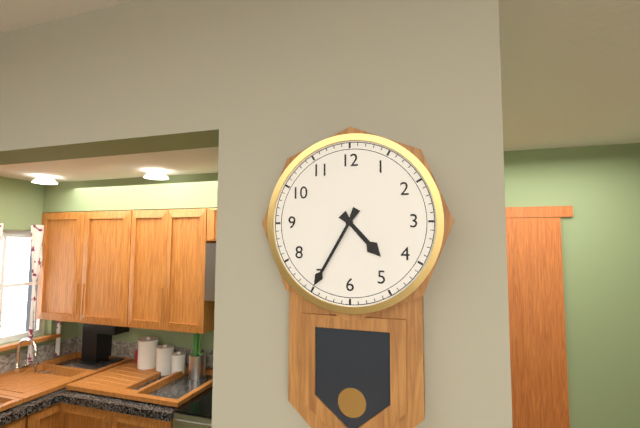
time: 4:35
